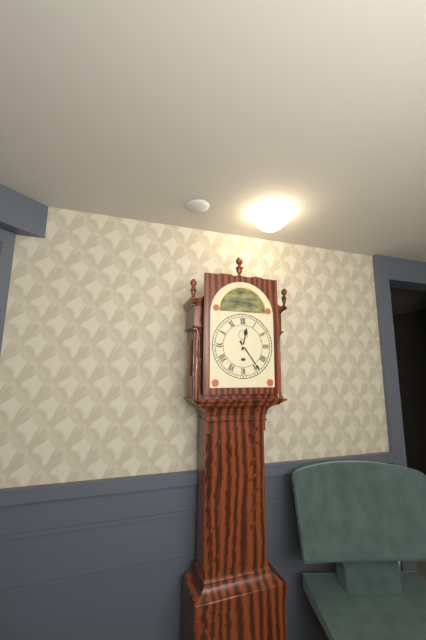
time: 12:24
